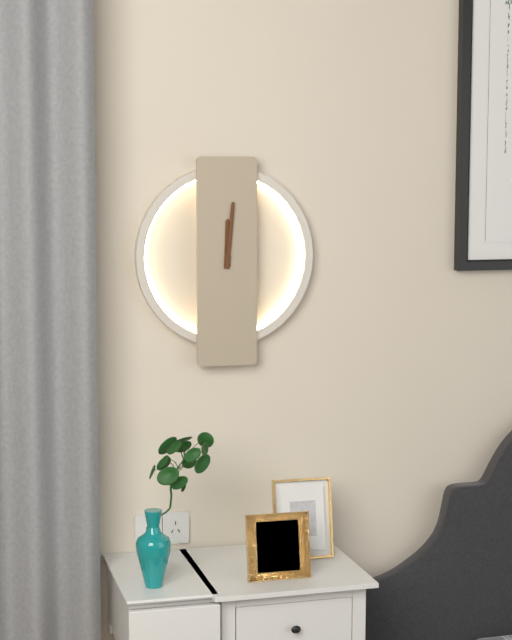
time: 12:01
